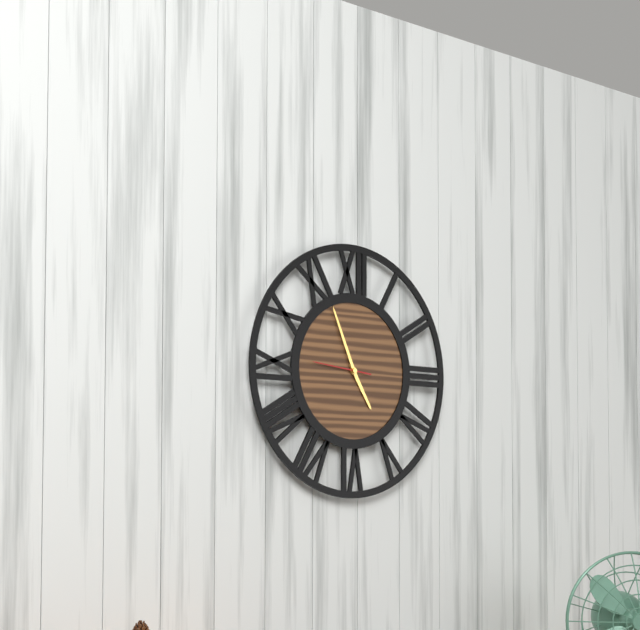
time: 4:56
